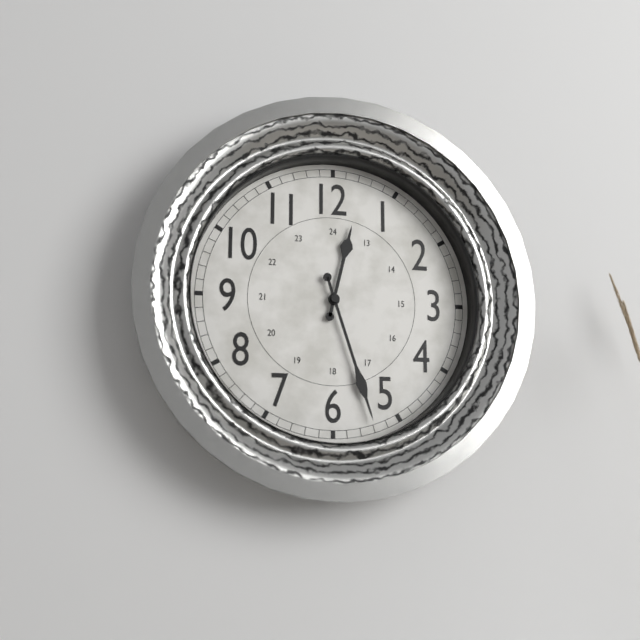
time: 12:27
